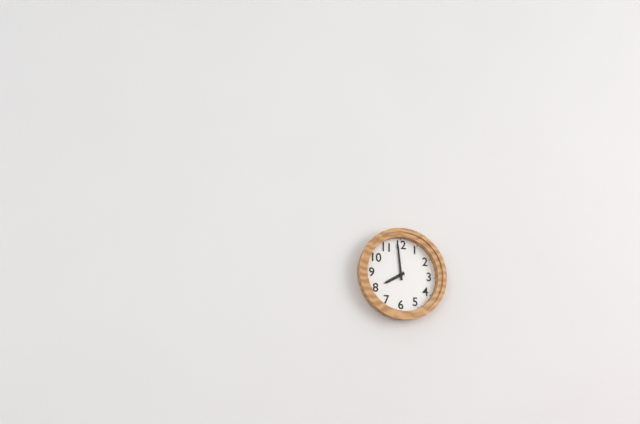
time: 7:59
